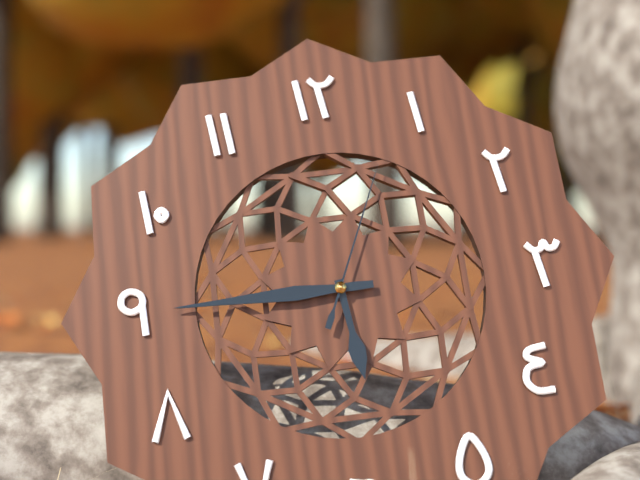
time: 5:45:04
